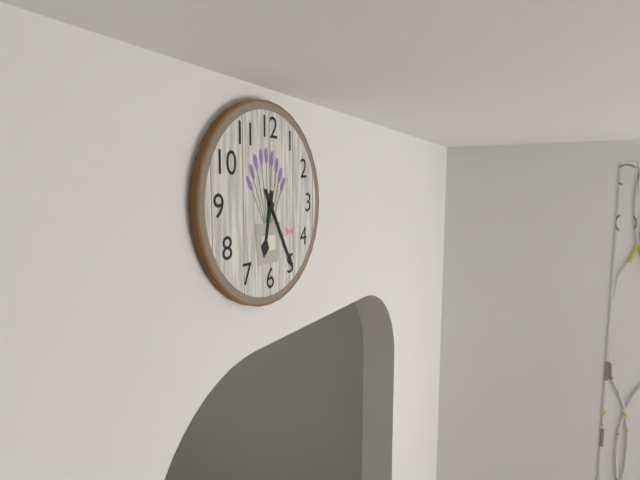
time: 6:25
